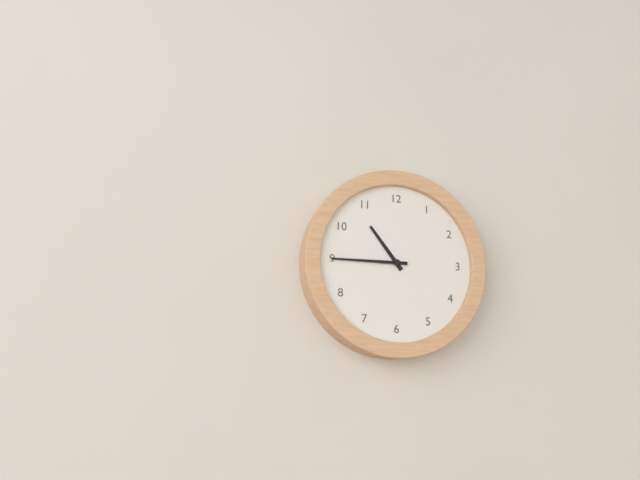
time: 10:45
